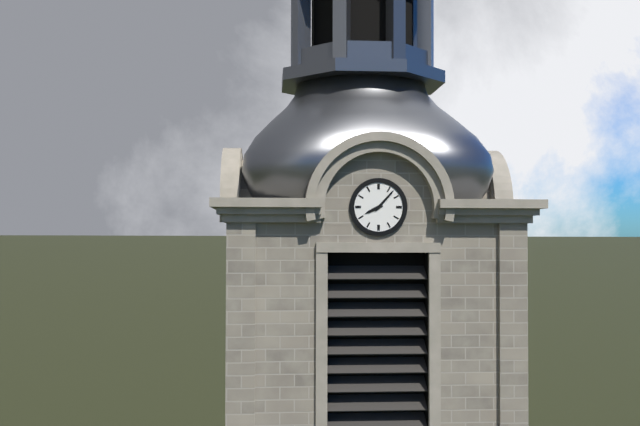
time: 8:07
